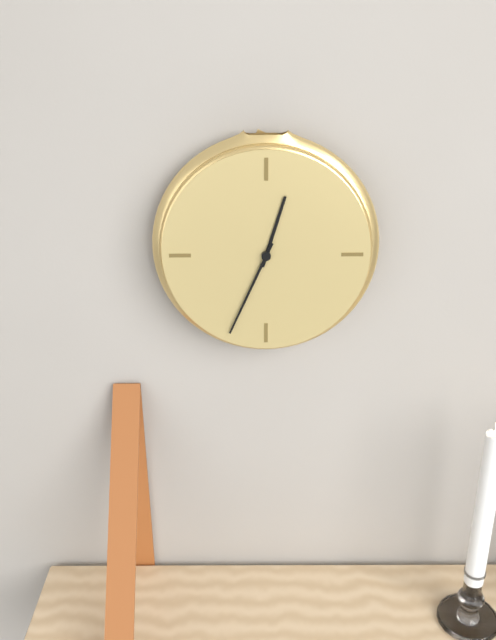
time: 12:34
